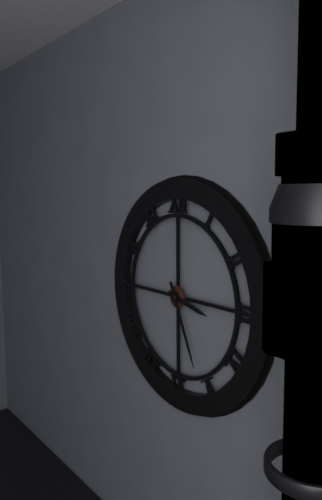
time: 3:26
